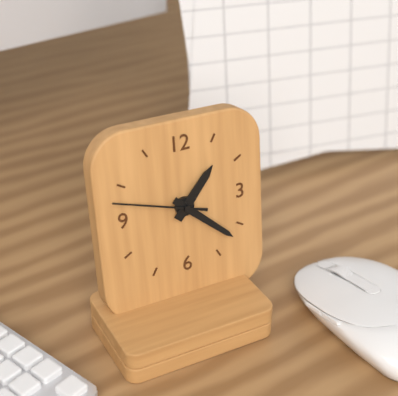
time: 1:22:48
